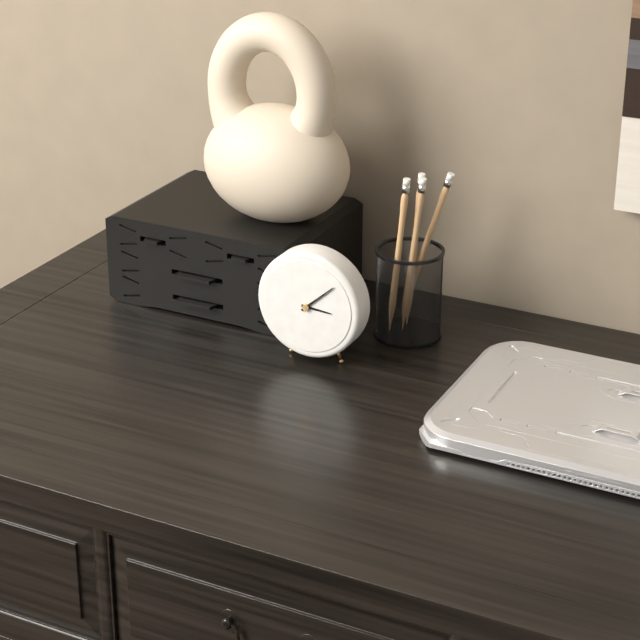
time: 3:08
